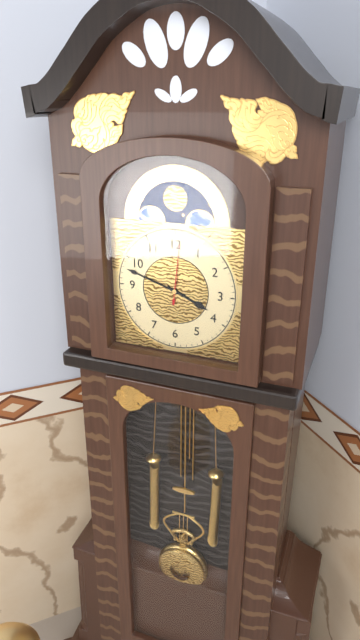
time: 3:48:01
